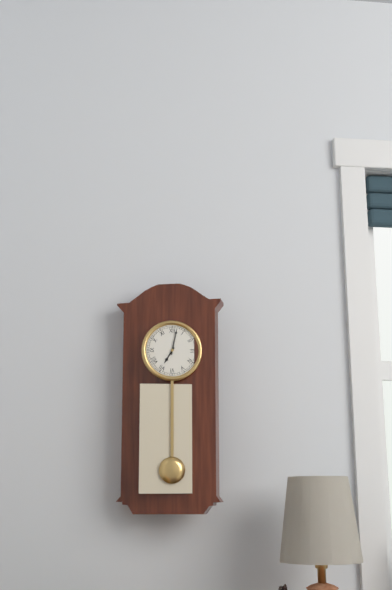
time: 7:02
